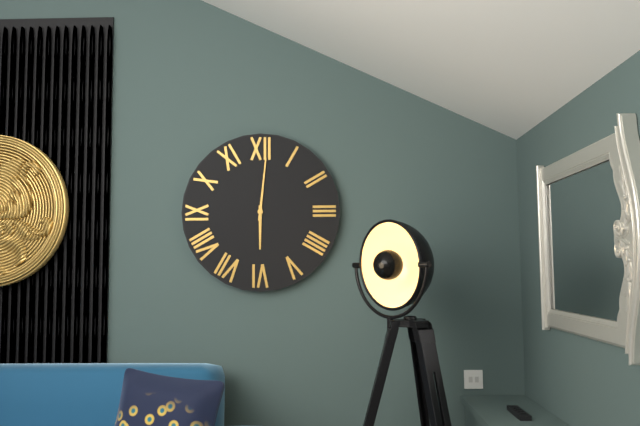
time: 6:01
